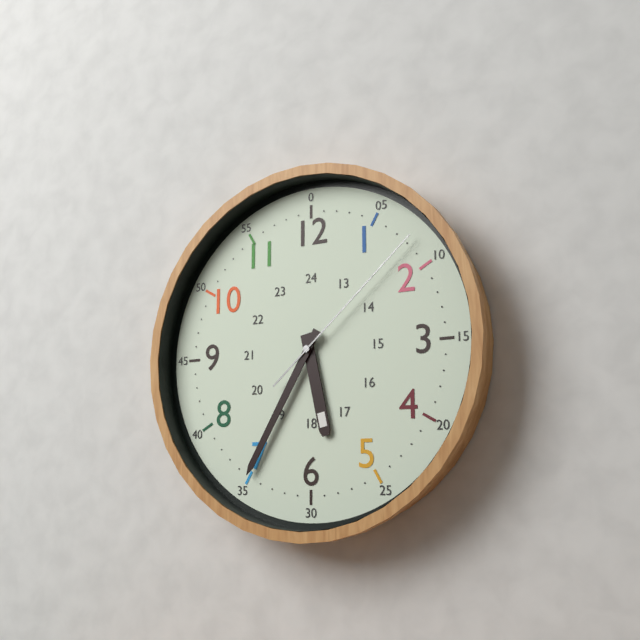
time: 5:35:08
